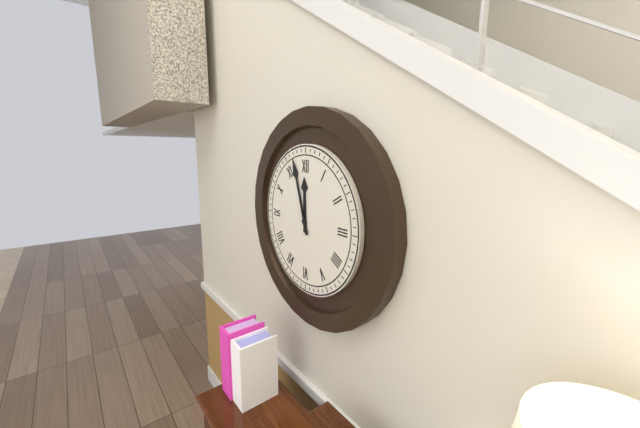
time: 11:57
